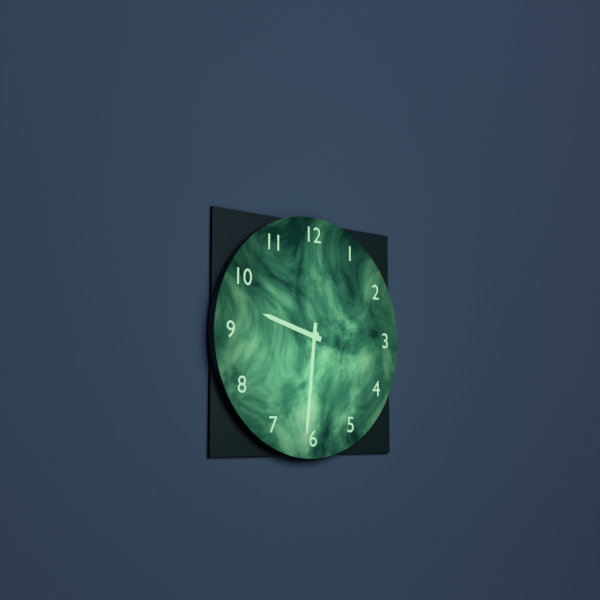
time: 9:31
